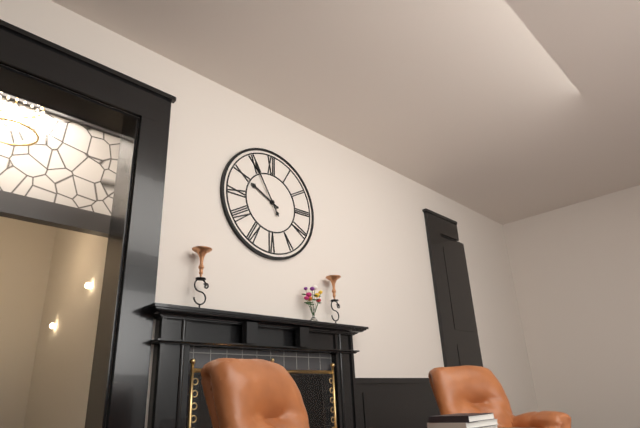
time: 9:55
